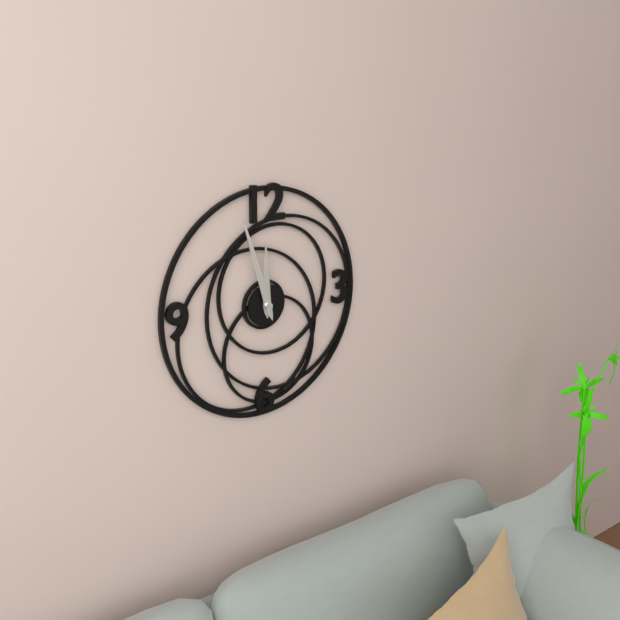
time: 11:57
